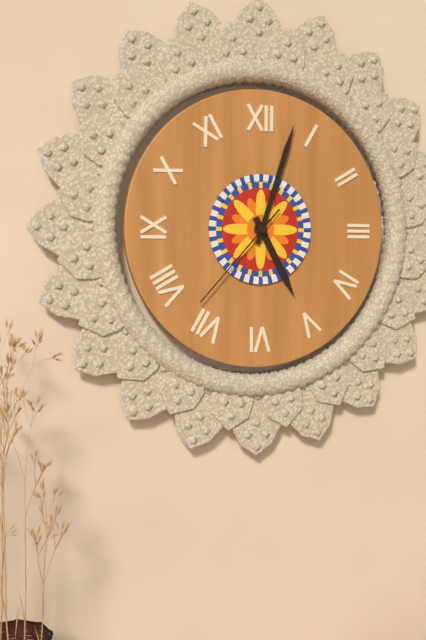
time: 5:03:37
